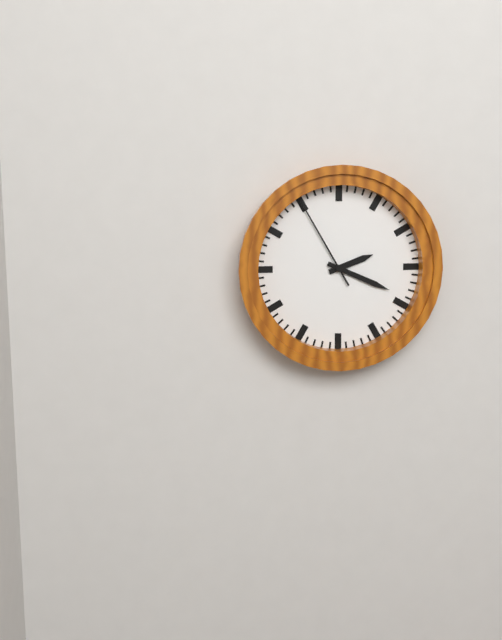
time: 2:19:55
